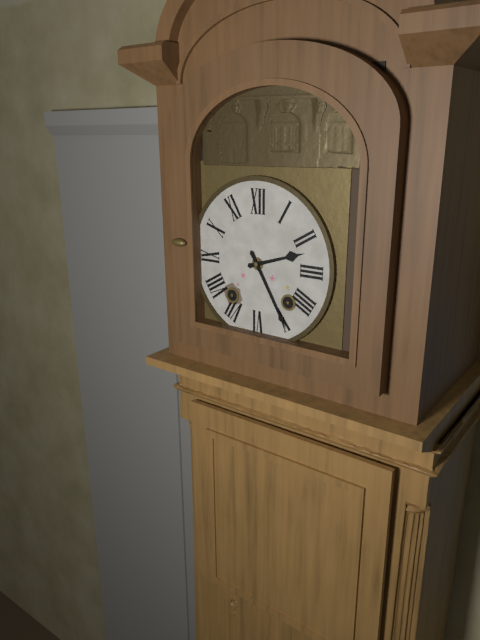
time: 2:25
